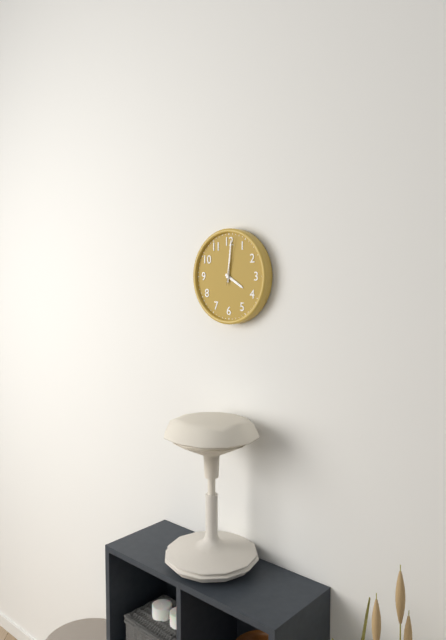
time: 4:01:02
